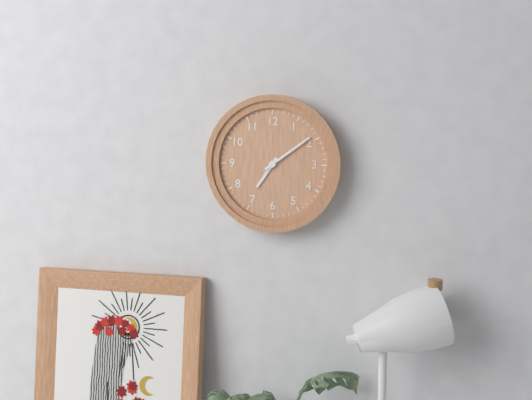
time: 7:09
